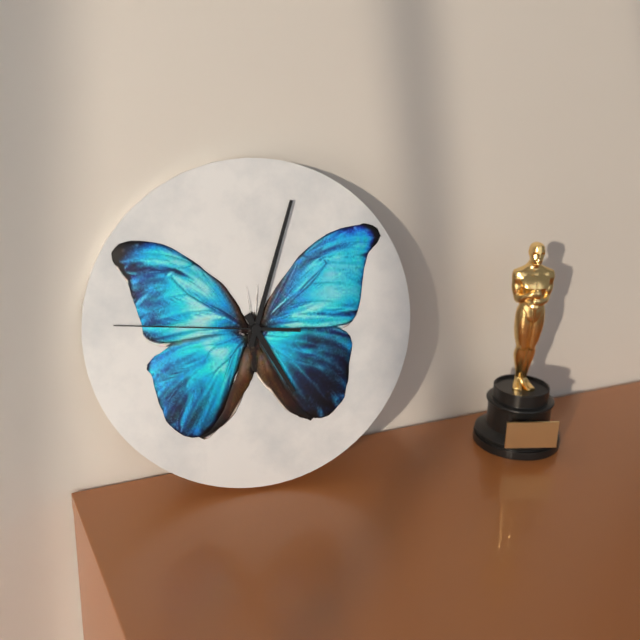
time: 5:03:46
